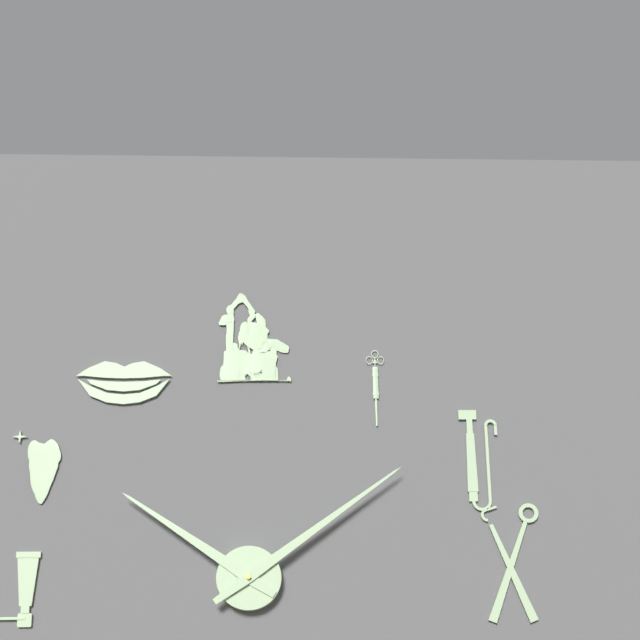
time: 10:09
